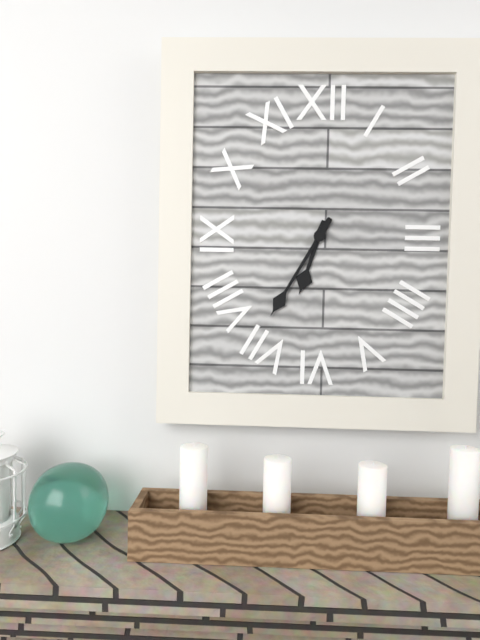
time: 6:35
